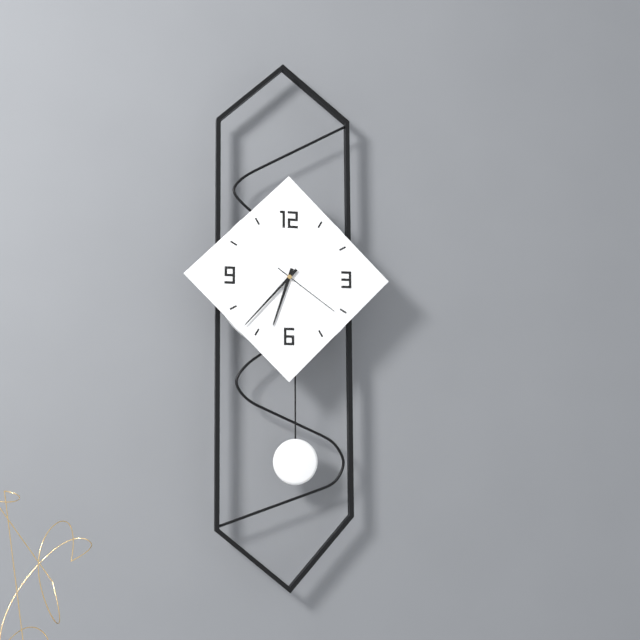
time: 6:37:21
